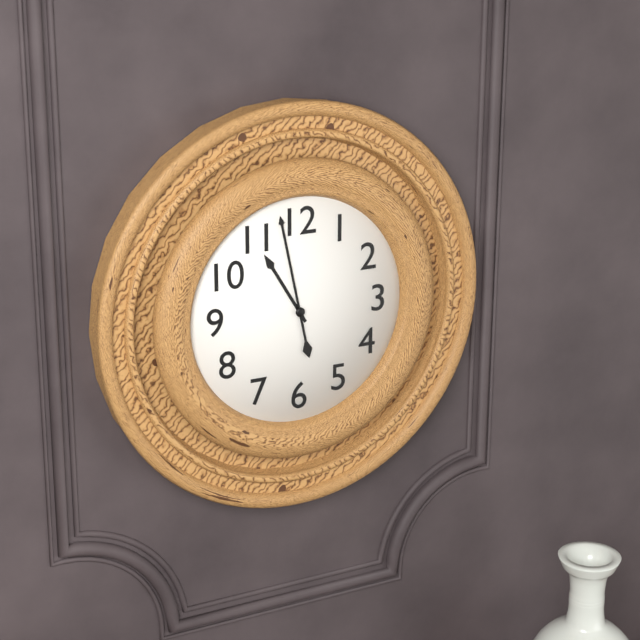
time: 10:58
